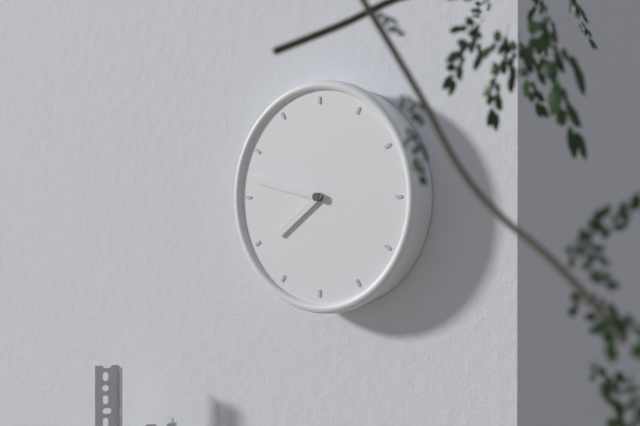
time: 7:47
